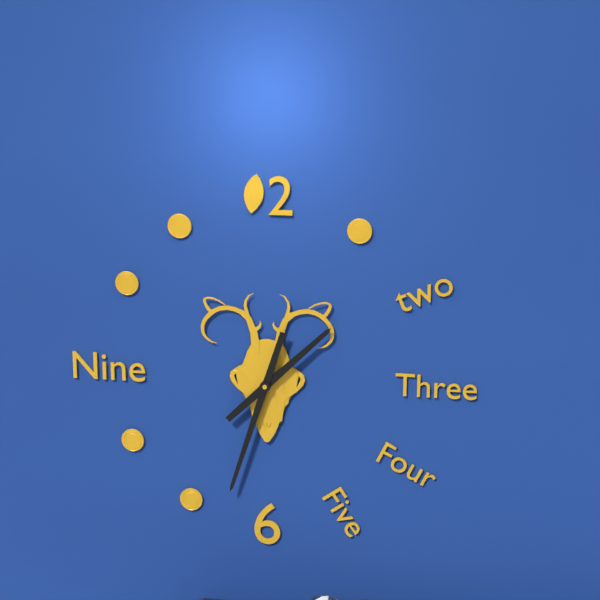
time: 1:33
